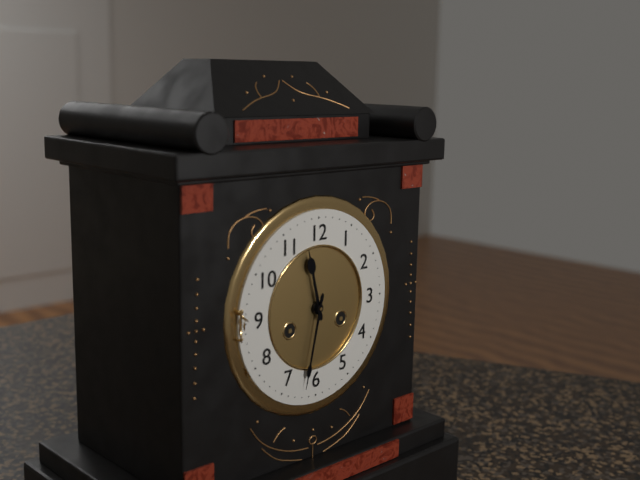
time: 11:32
